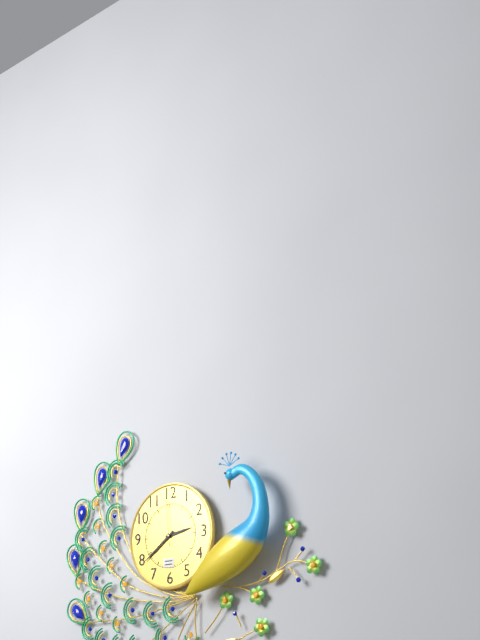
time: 2:39:59
